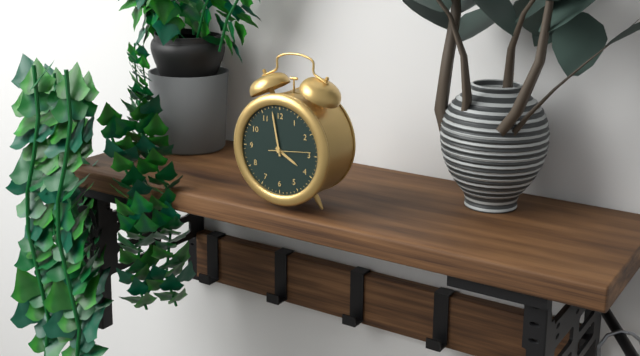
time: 3:58
